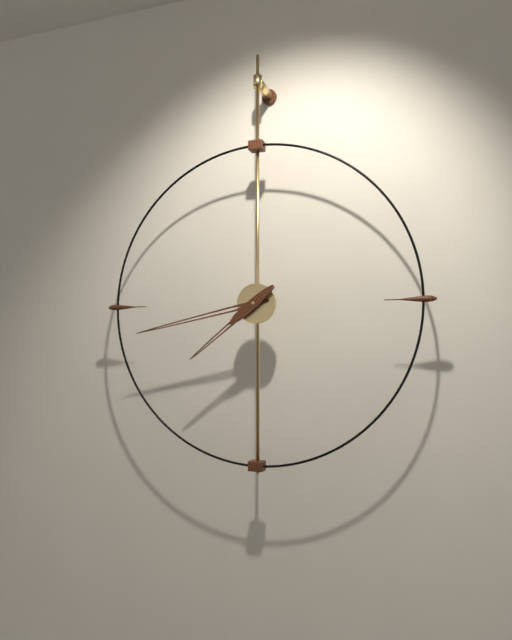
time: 7:43
